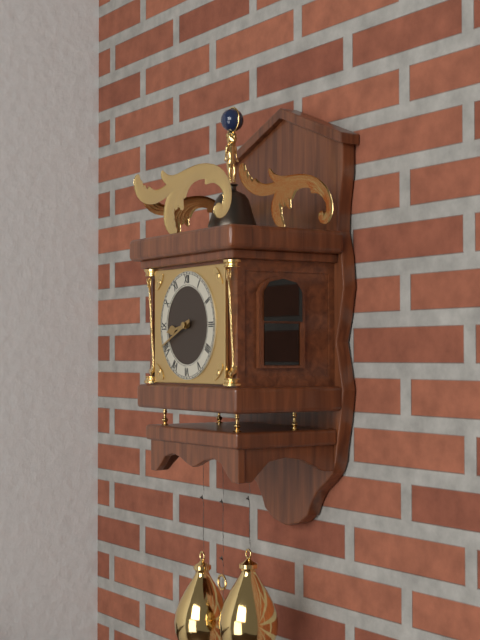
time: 8:41
